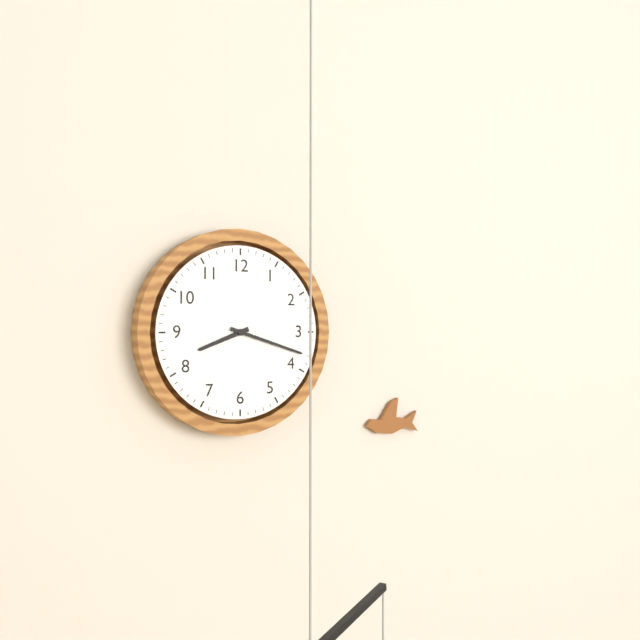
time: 8:18
